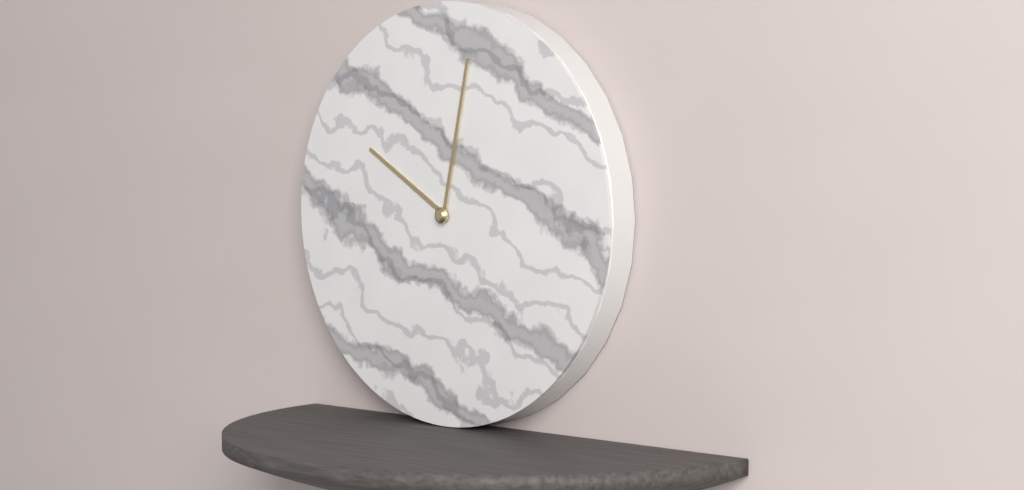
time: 10:02
